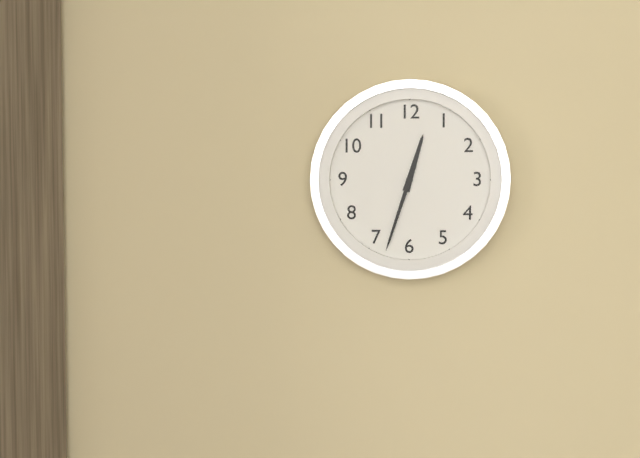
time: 12:33
